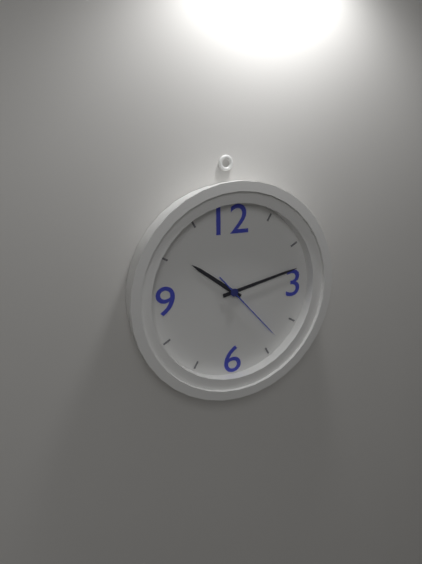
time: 10:13:23
